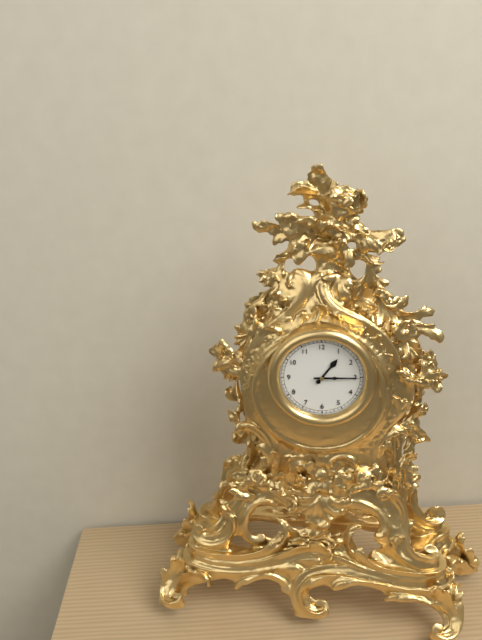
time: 1:15
